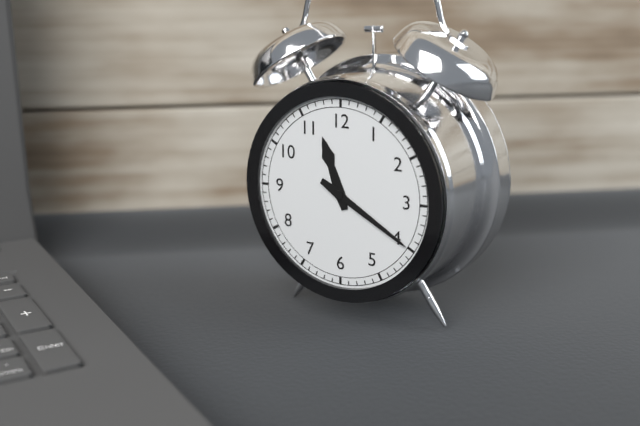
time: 11:20
